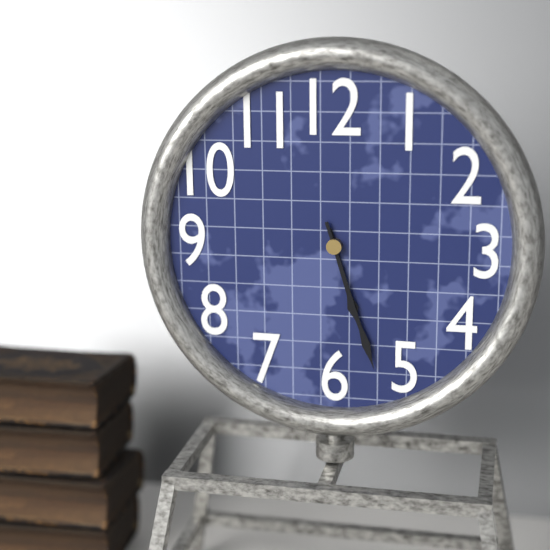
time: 5:27
